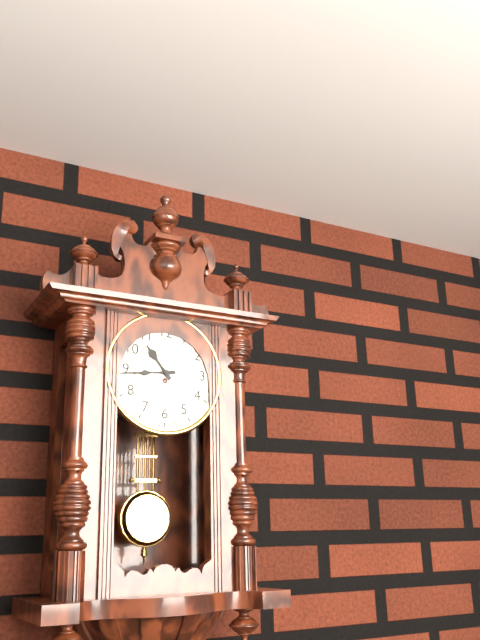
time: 10:44
